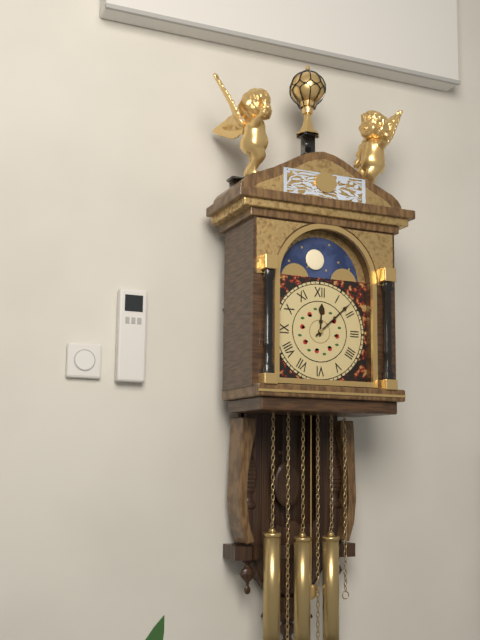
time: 12:08
